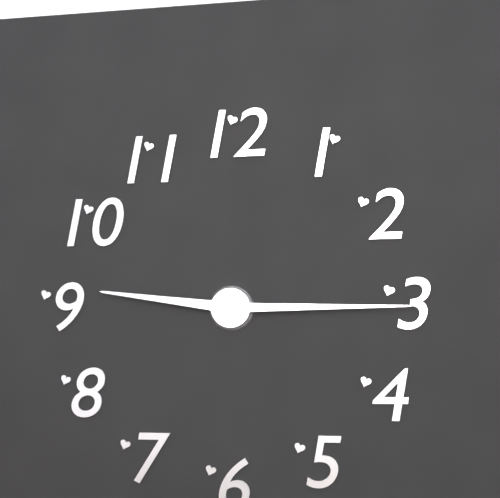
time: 9:15
